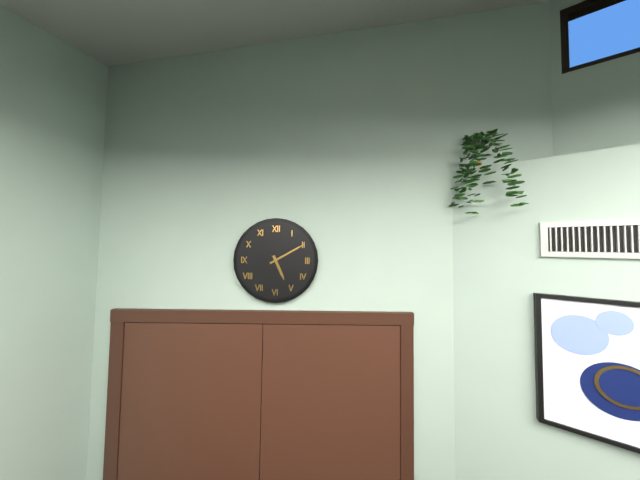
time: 5:10
